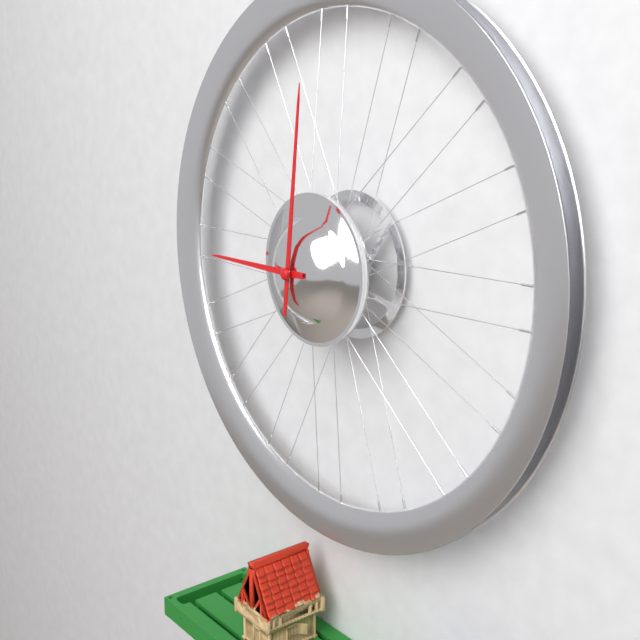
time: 9:01
